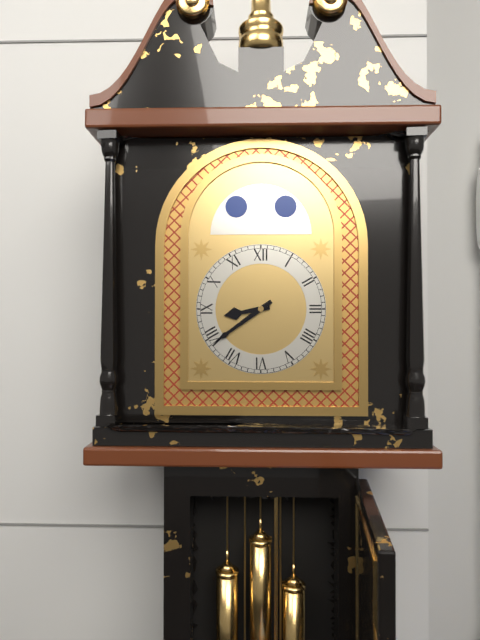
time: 8:39
